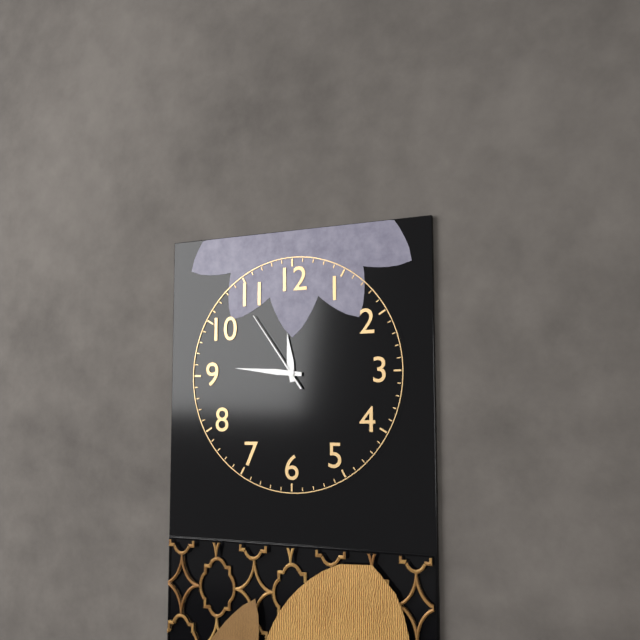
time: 11:46:54
